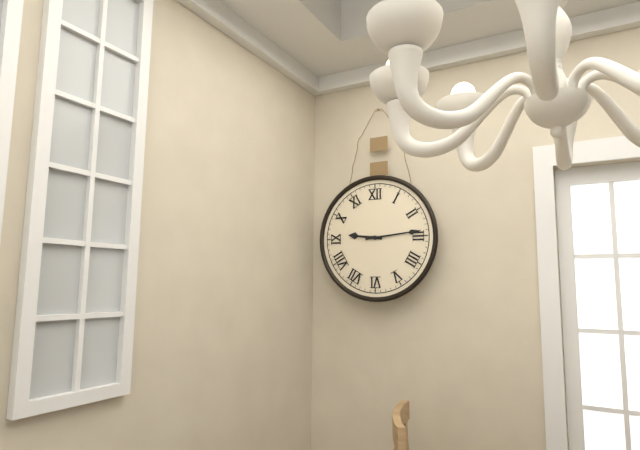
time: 9:14
